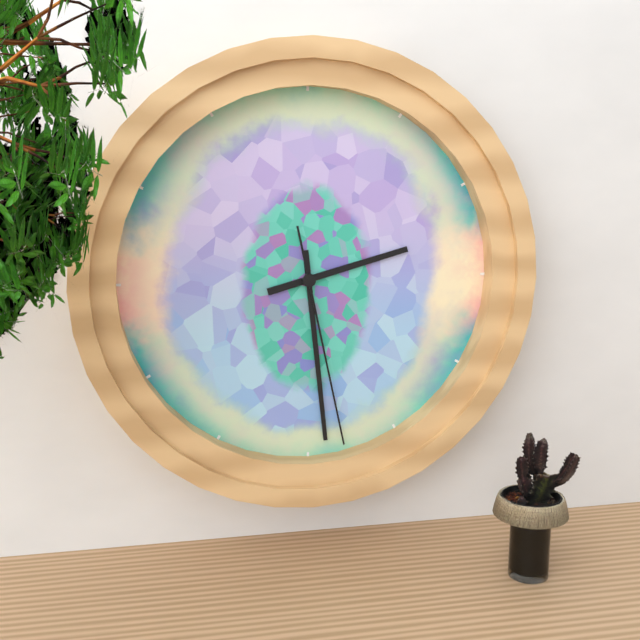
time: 2:29:28
